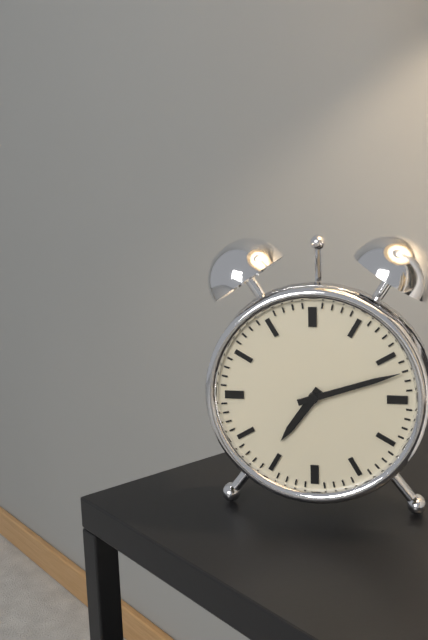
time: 7:12
